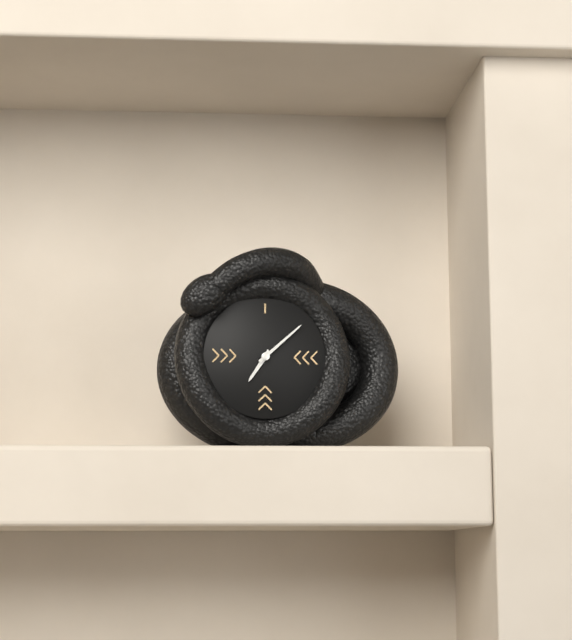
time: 7:08
